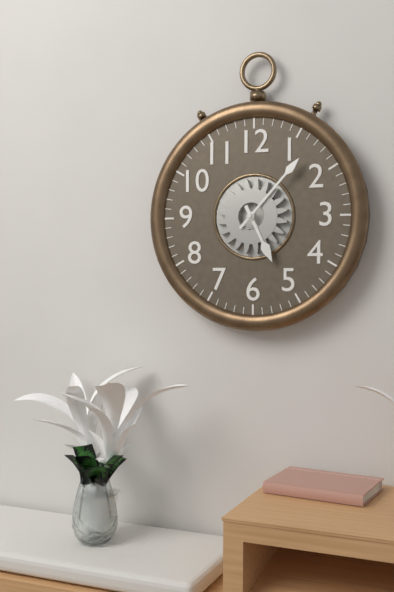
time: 5:07
